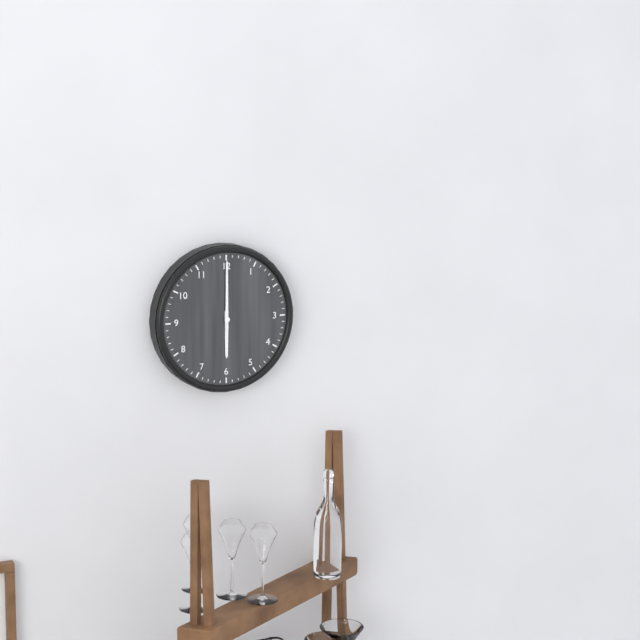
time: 6:00
